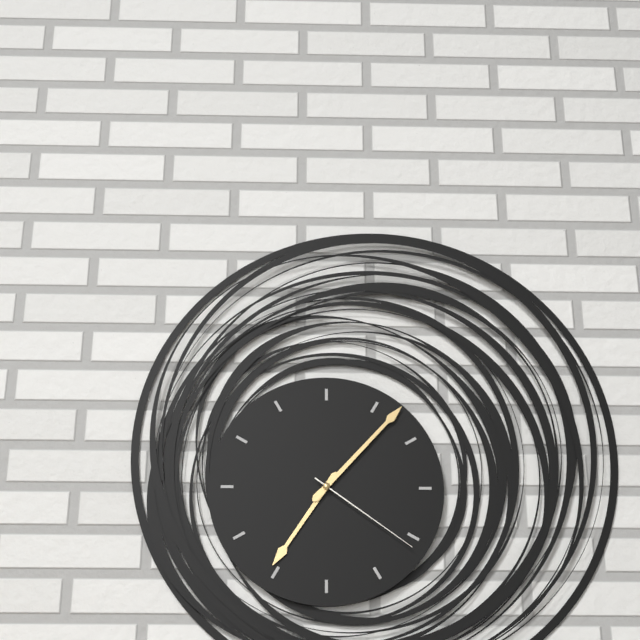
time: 7:07:21
